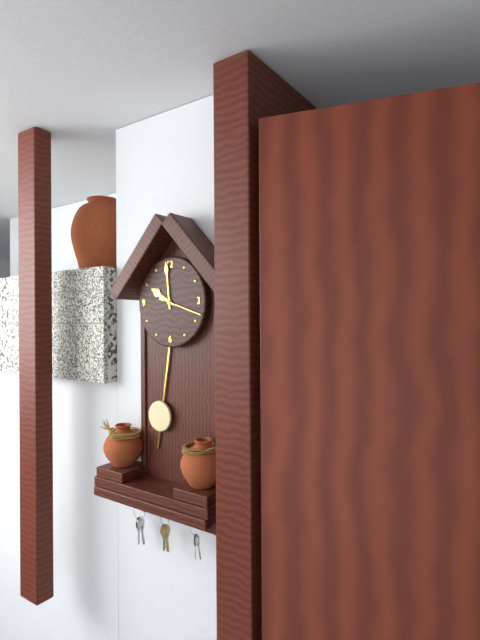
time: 9:59
